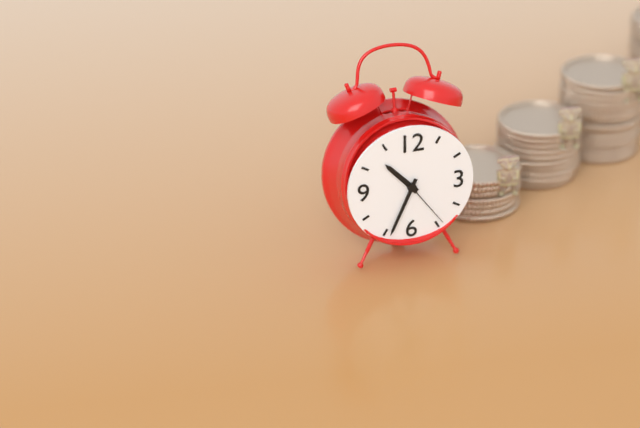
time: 10:34:24
